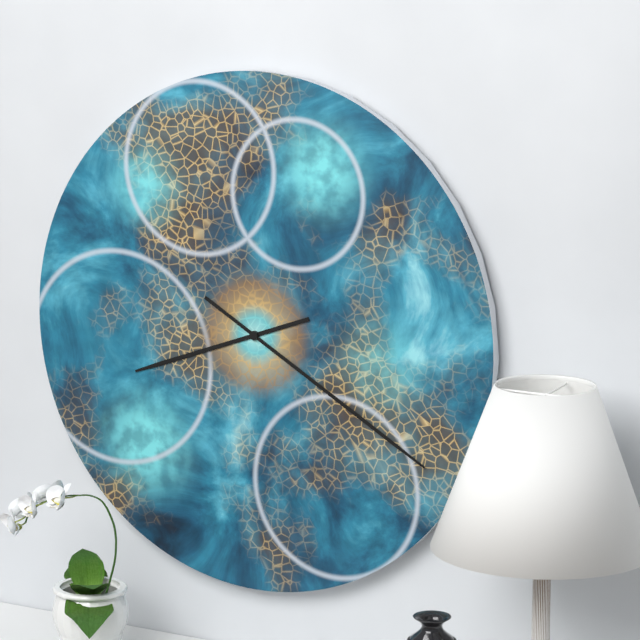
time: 8:20
